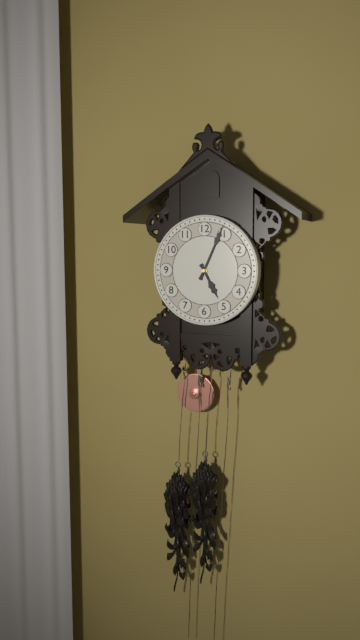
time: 5:04
